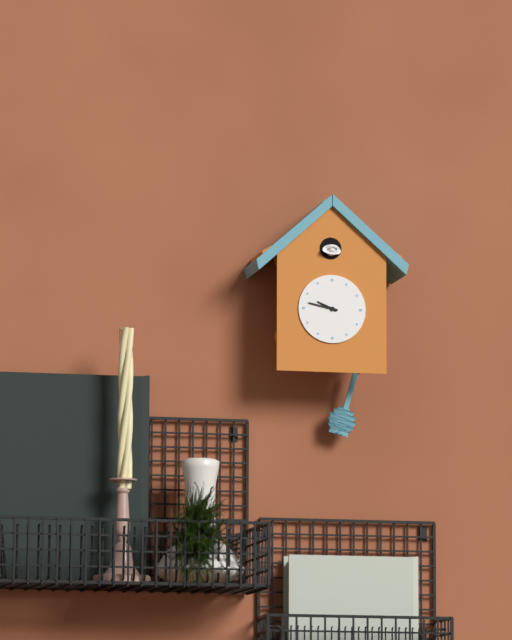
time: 9:47
